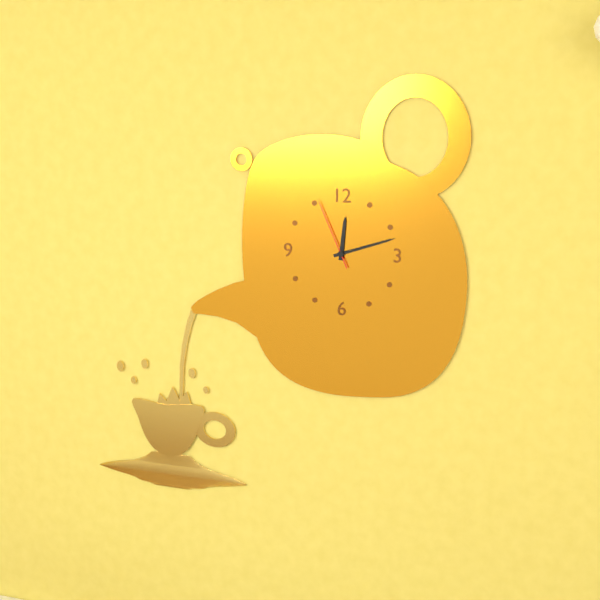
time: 12:12:56
